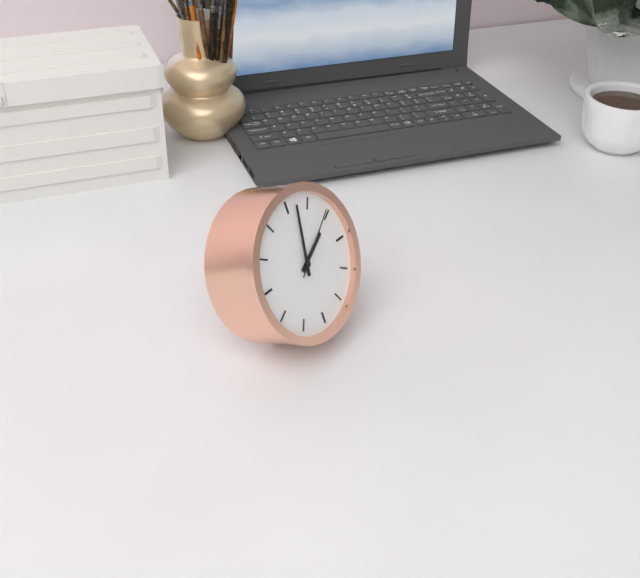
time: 2:02:09
